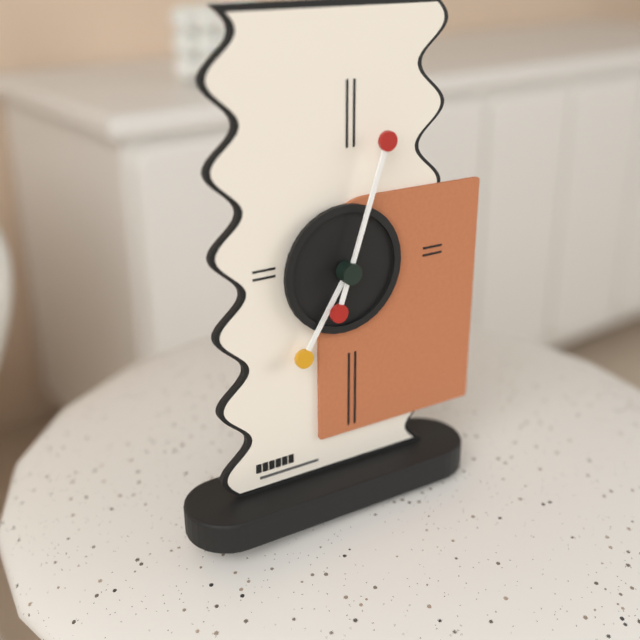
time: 7:03
